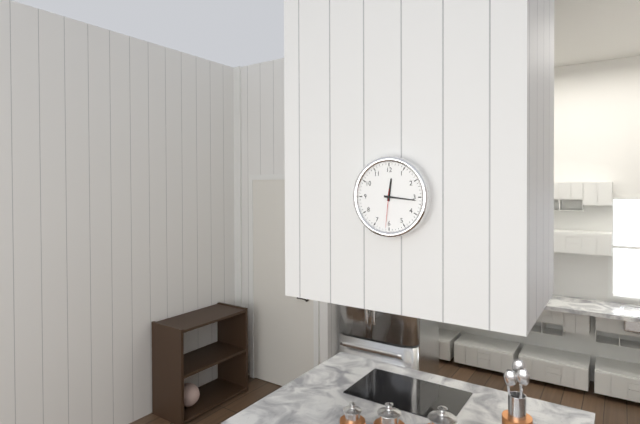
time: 12:16
